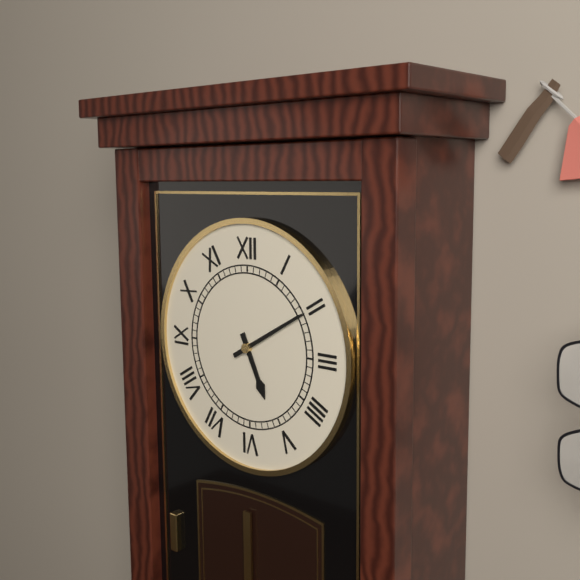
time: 5:10
